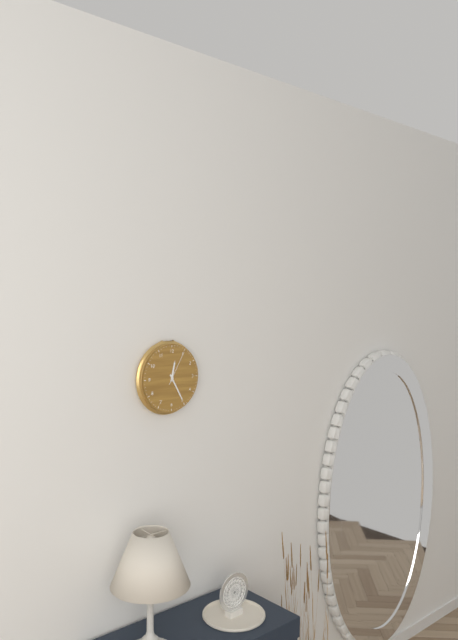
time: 12:25
